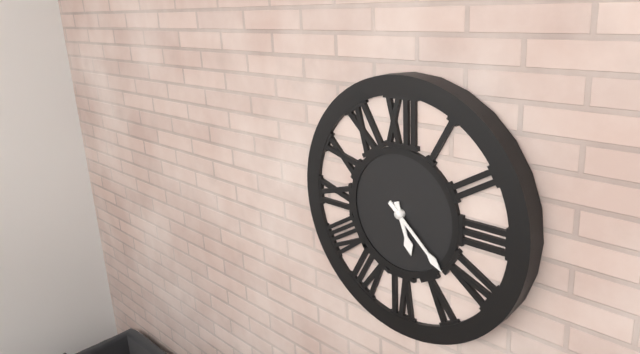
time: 5:22
